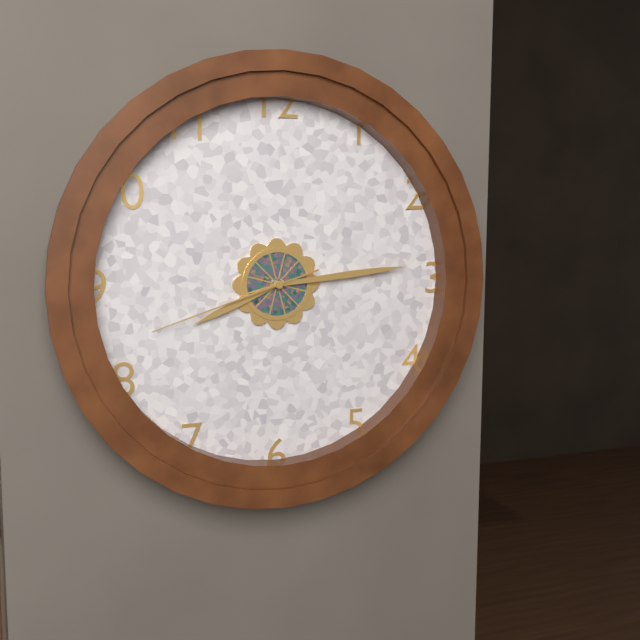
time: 8:14:42
